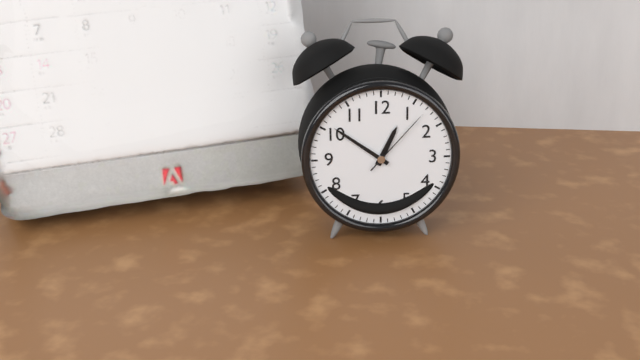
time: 12:51:07
